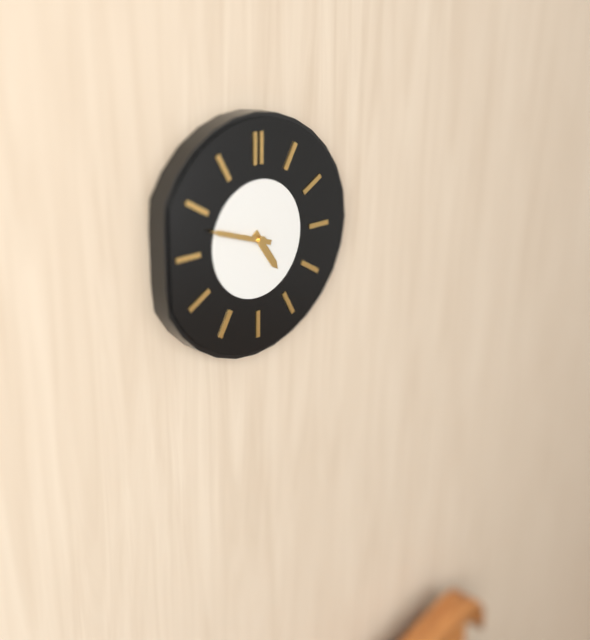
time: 4:48
